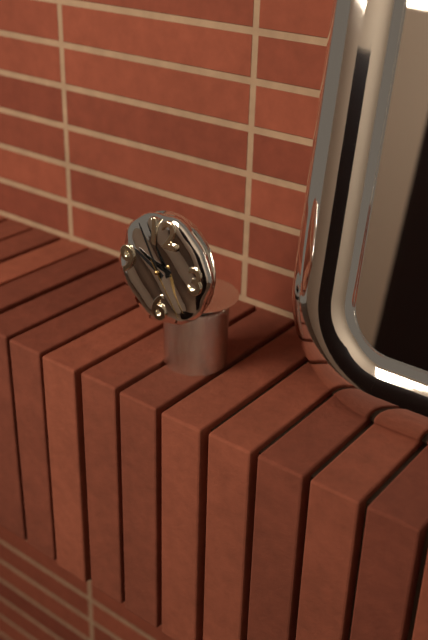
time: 9:55:24
